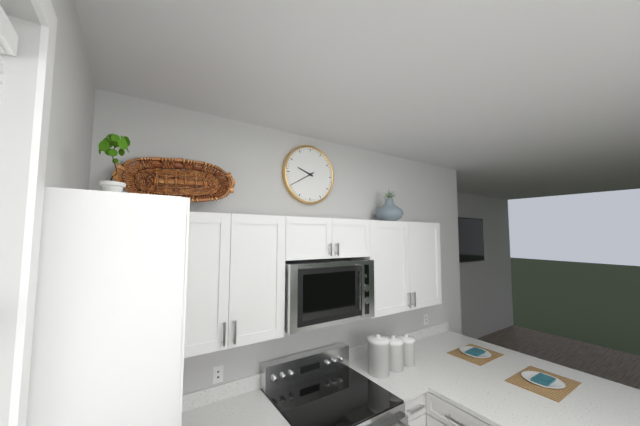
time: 9:40
